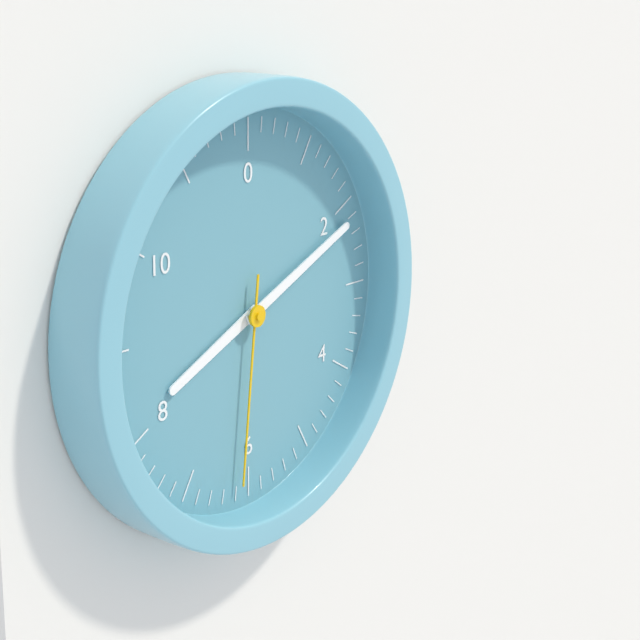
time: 8:11:31
